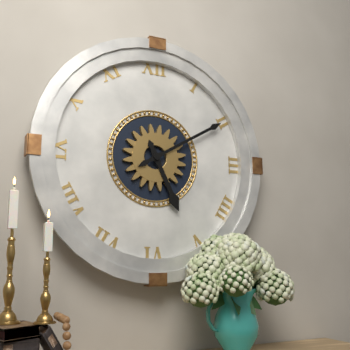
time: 5:10
